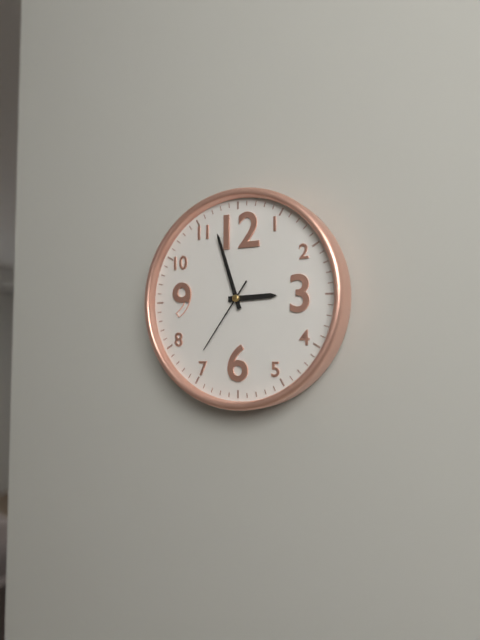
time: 2:57:36
